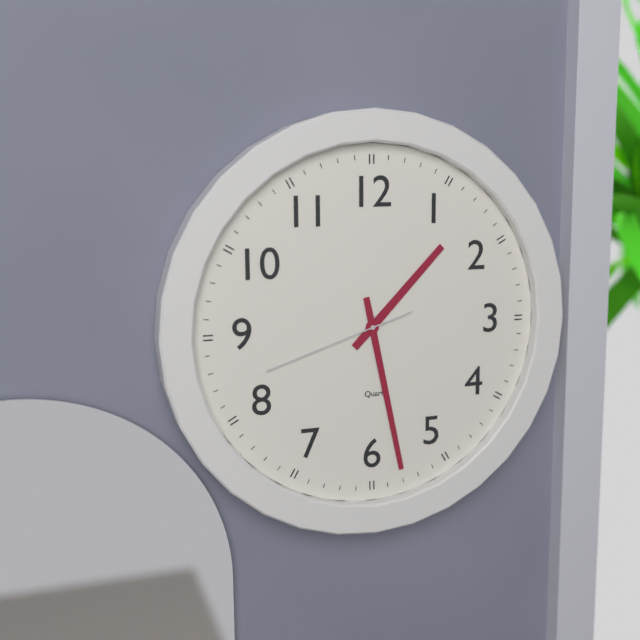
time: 1:28:42
